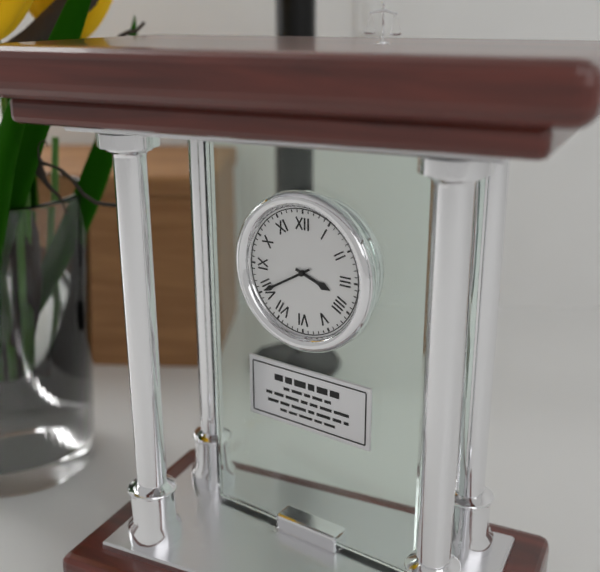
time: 3:40
